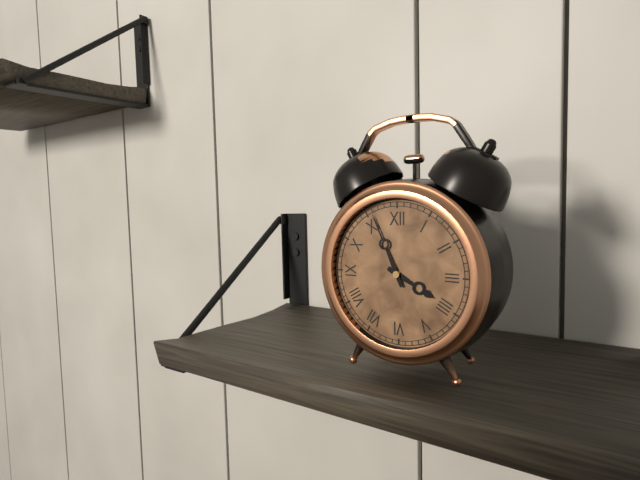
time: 3:56
